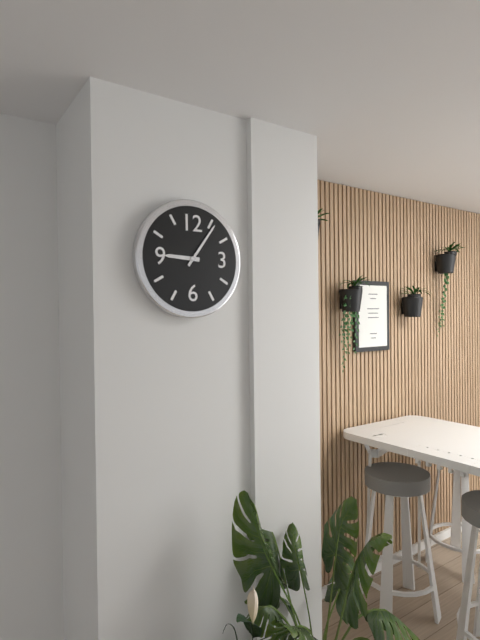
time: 9:06
